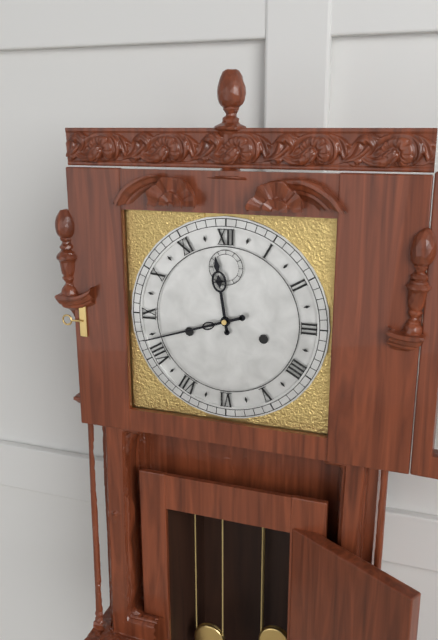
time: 11:42
